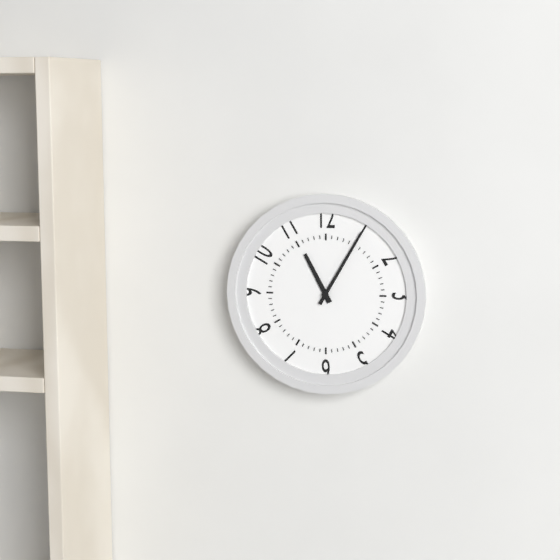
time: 11:05
